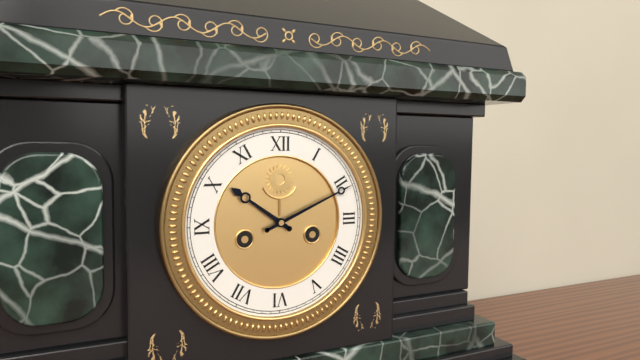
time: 10:11
